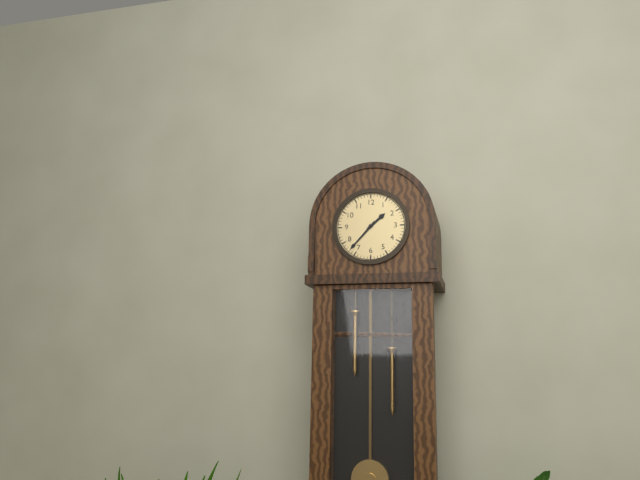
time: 1:37
